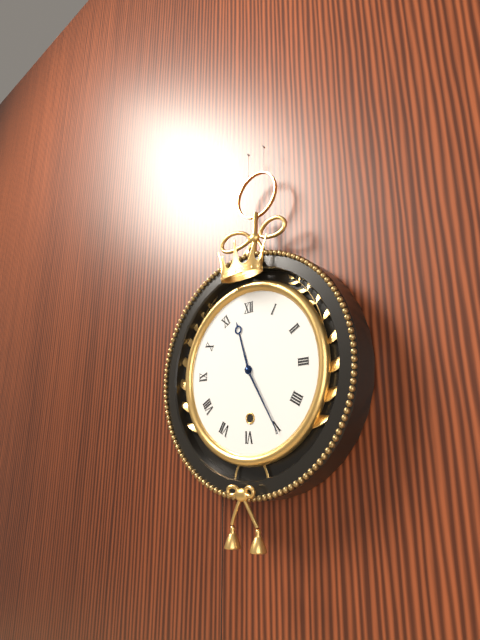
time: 11:25
